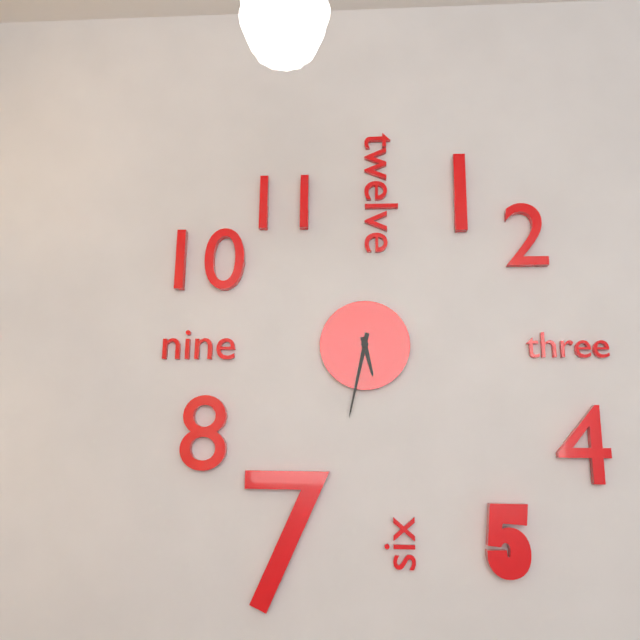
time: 5:32
